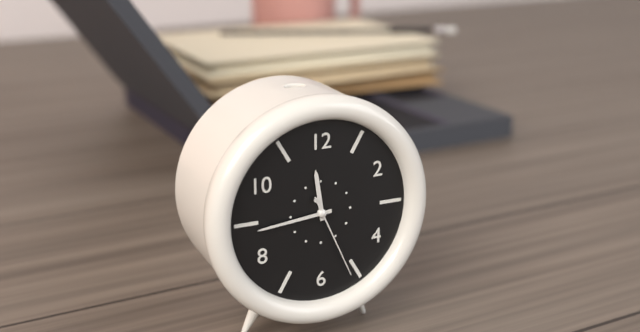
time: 11:44:26
